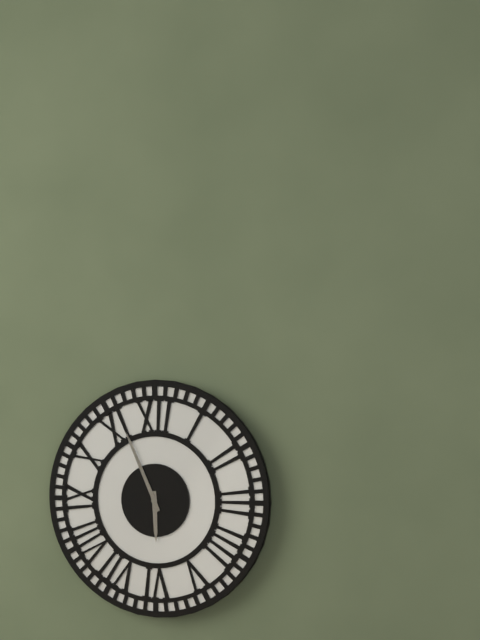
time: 5:56
